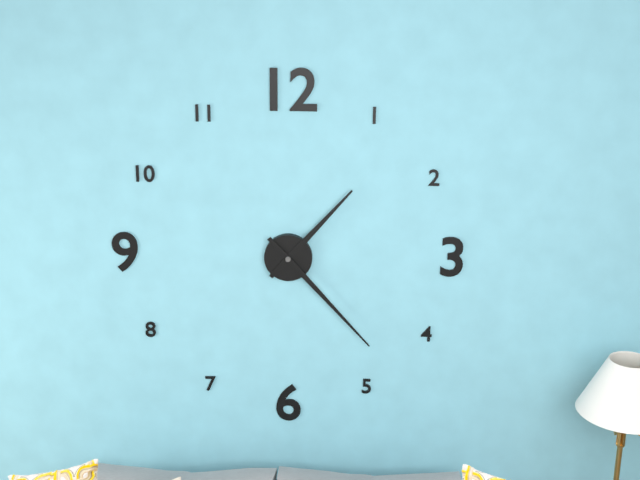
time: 1:23
